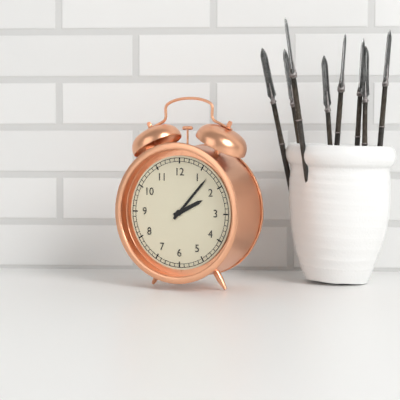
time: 2:07
